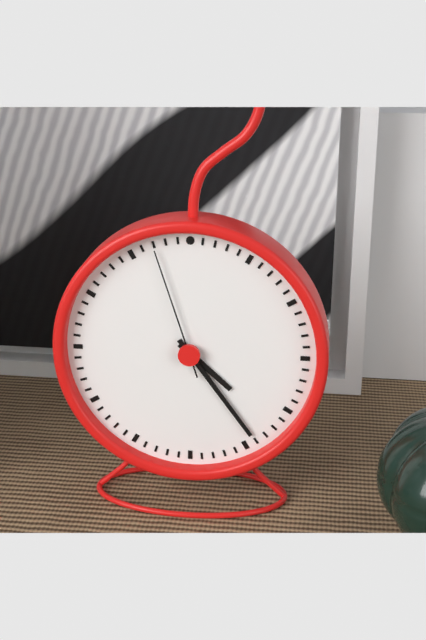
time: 4:24:57
